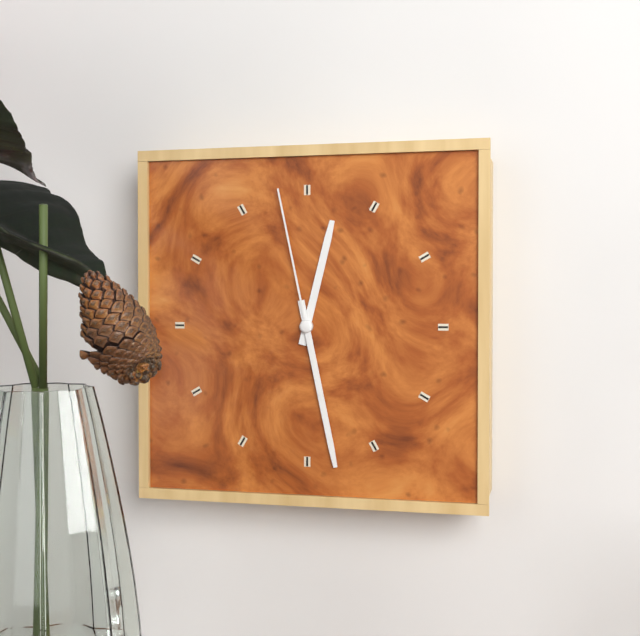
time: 12:28:58
